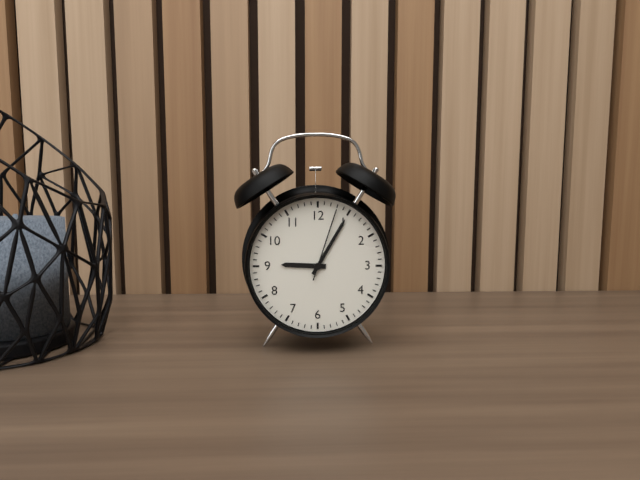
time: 9:05:03
